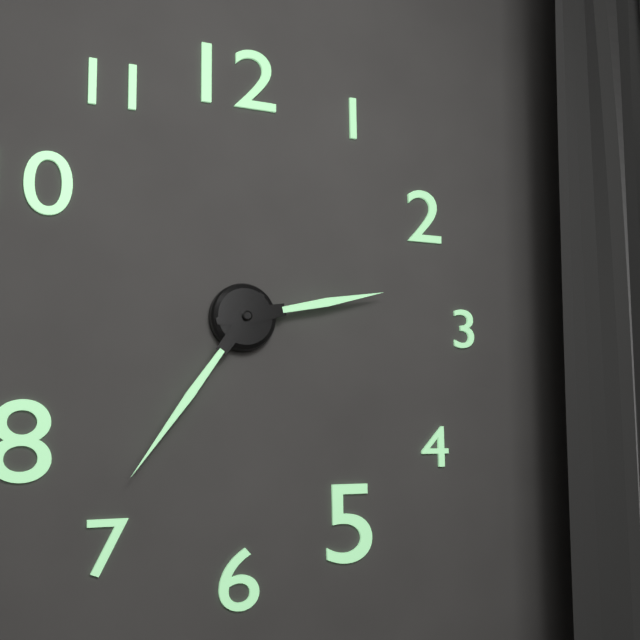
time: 2:36
